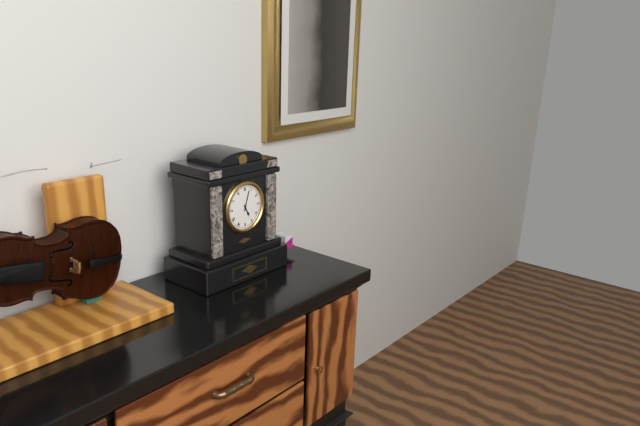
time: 5:03
